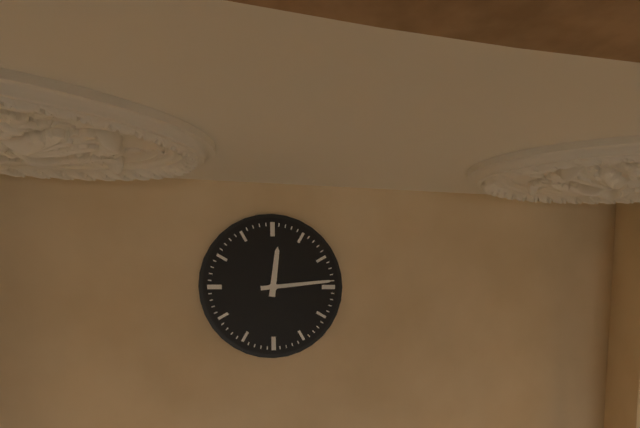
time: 12:14
